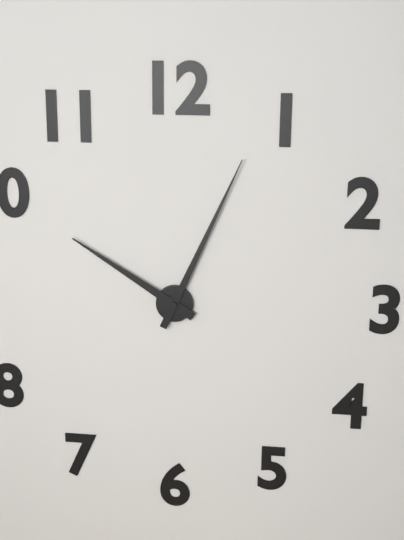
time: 10:04
